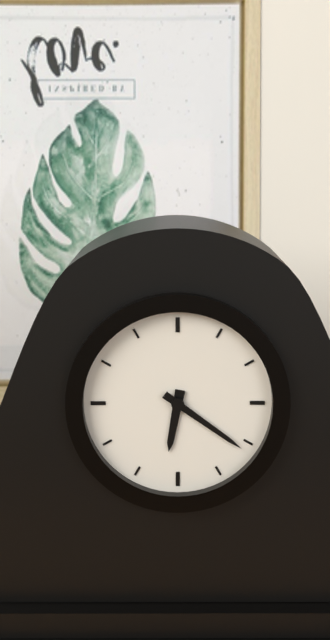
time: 6:21
